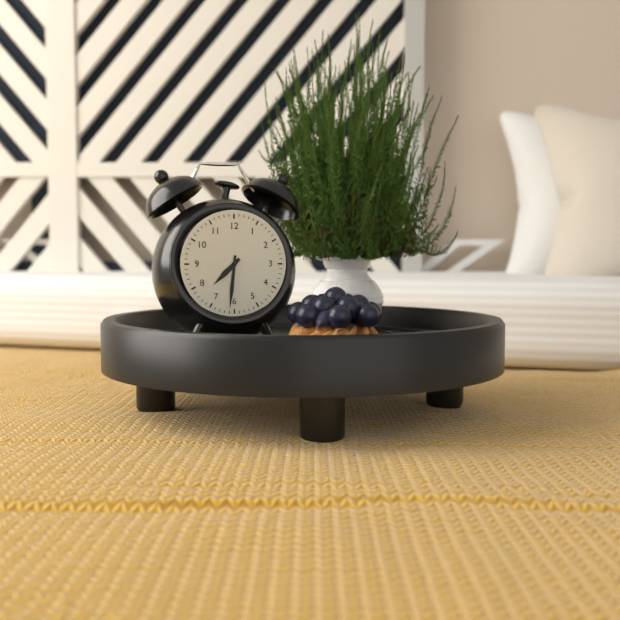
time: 7:31
